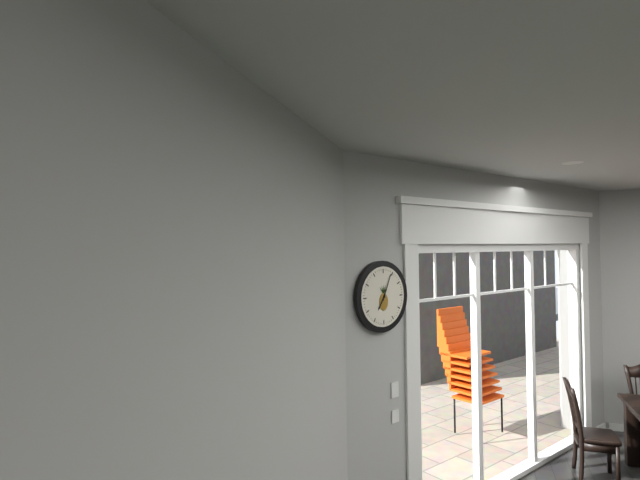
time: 7:04
